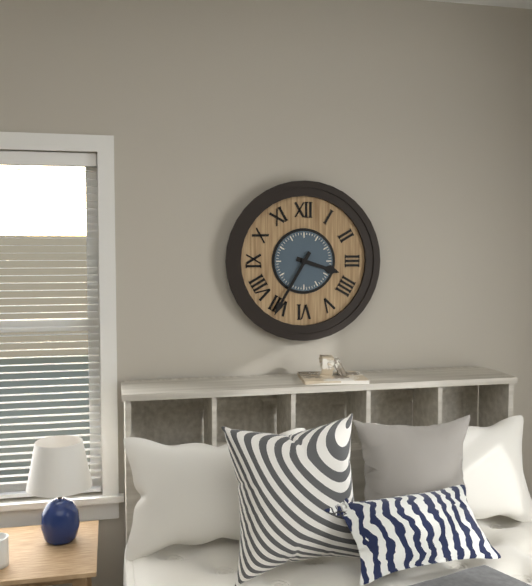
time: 3:35
